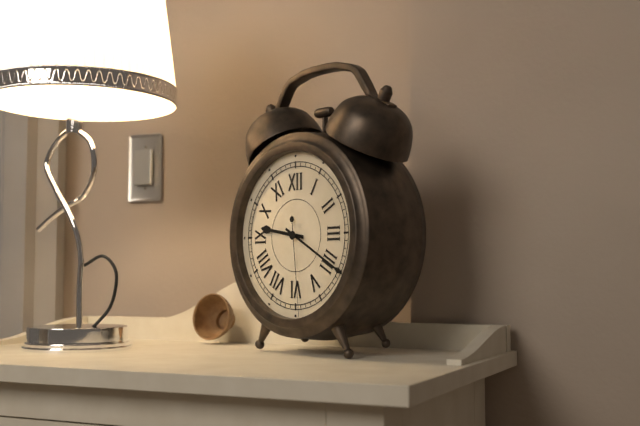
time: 9:20:29
